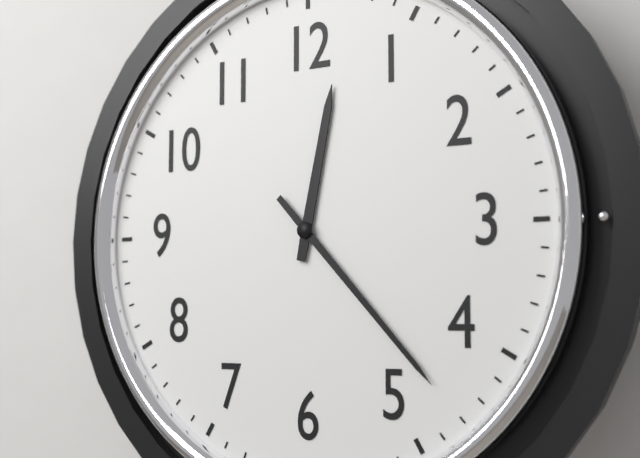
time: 12:23
